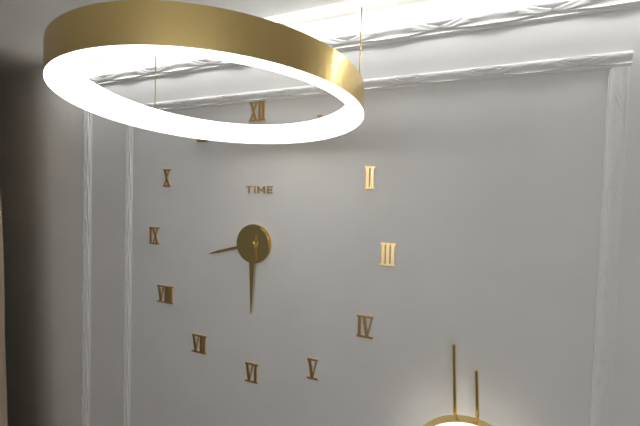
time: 8:30
